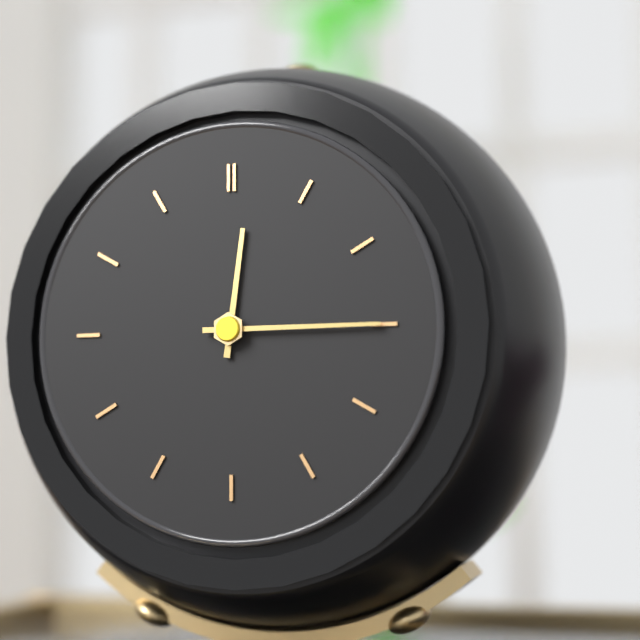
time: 12:15
